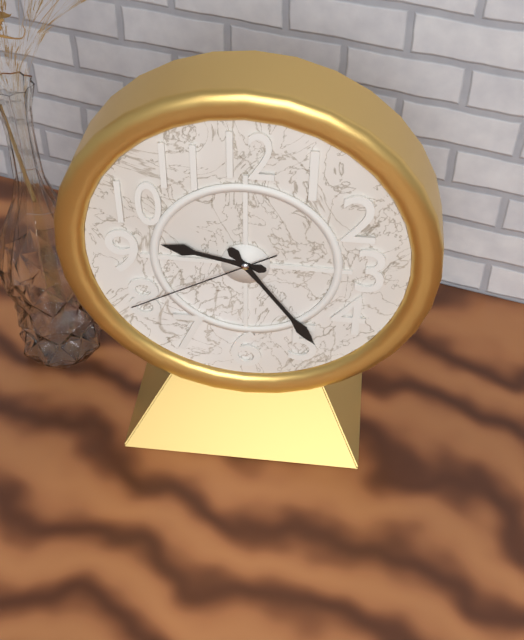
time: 9:24:40
